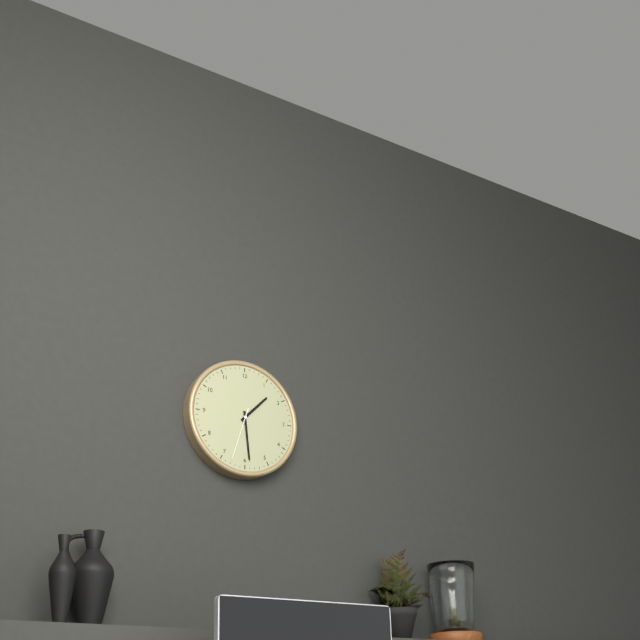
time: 1:29:33
